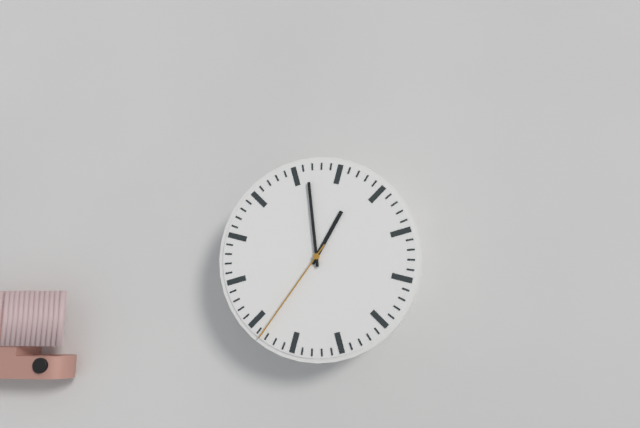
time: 12:59:36
